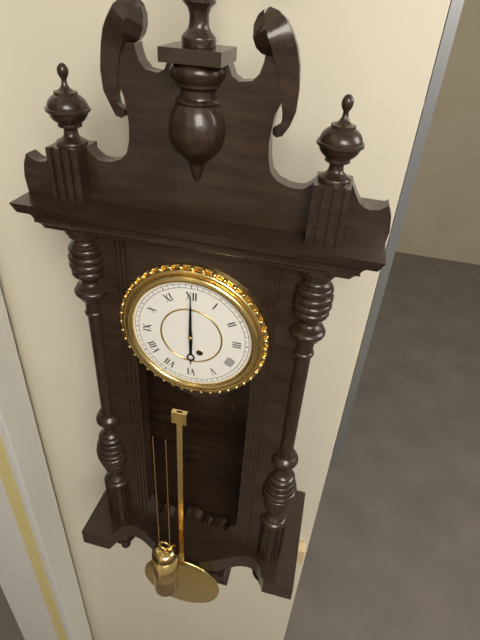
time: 6:00
